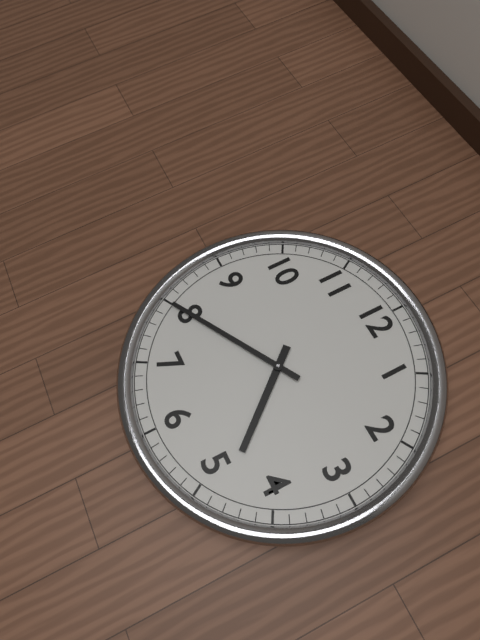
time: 4:40
